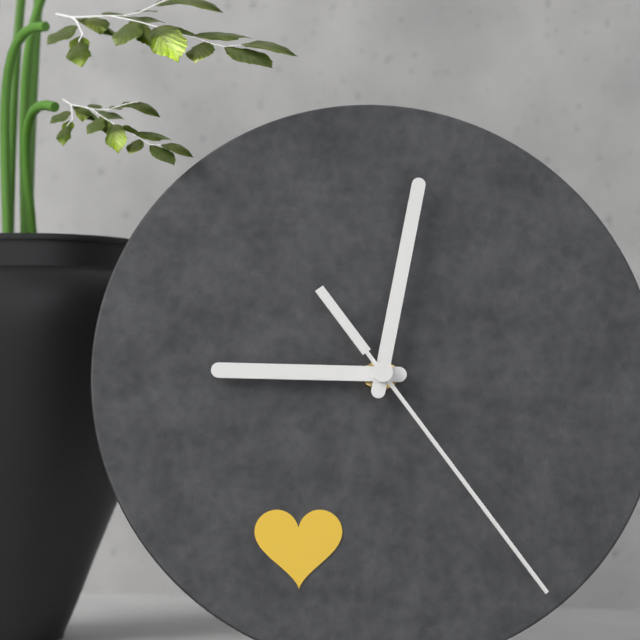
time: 9:02:24
